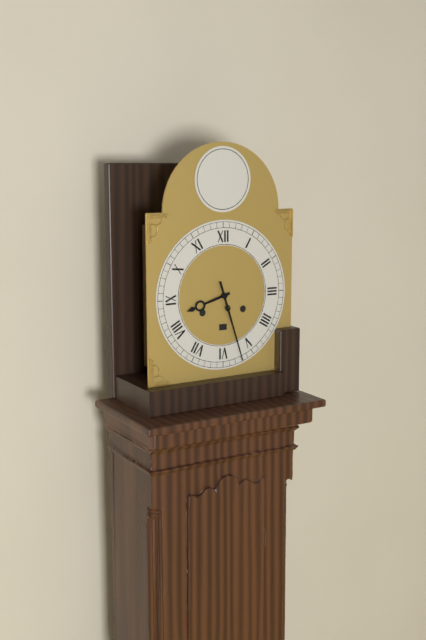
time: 8:27
